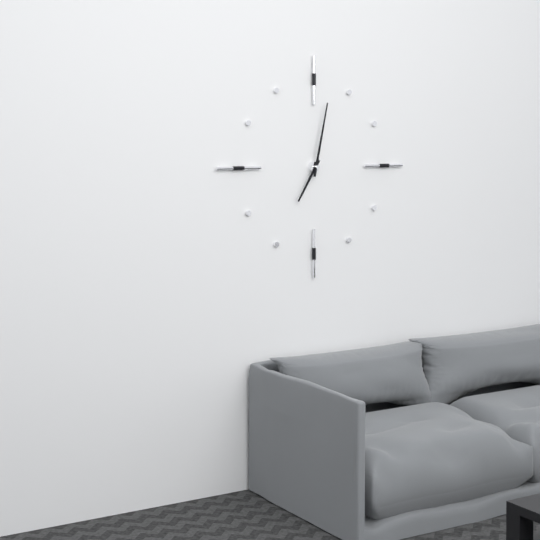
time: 7:02
